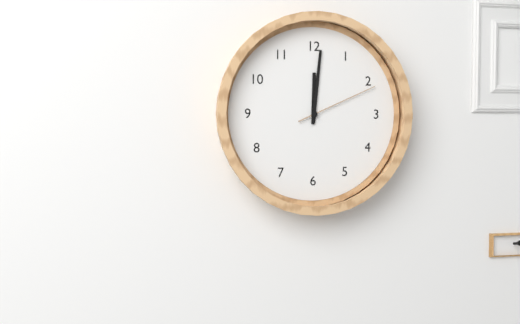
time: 12:01:11
